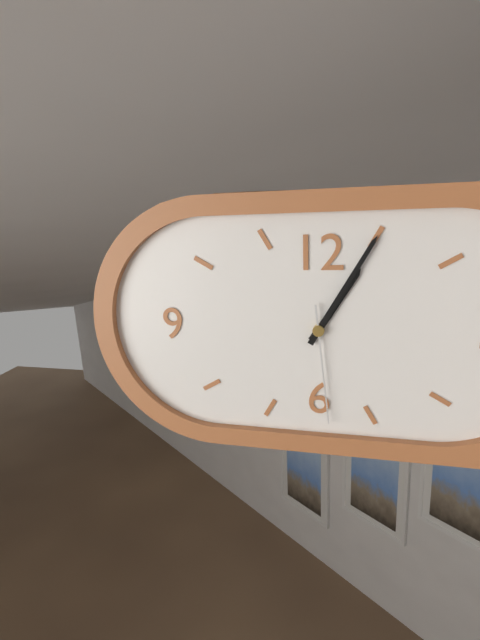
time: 1:05:29
